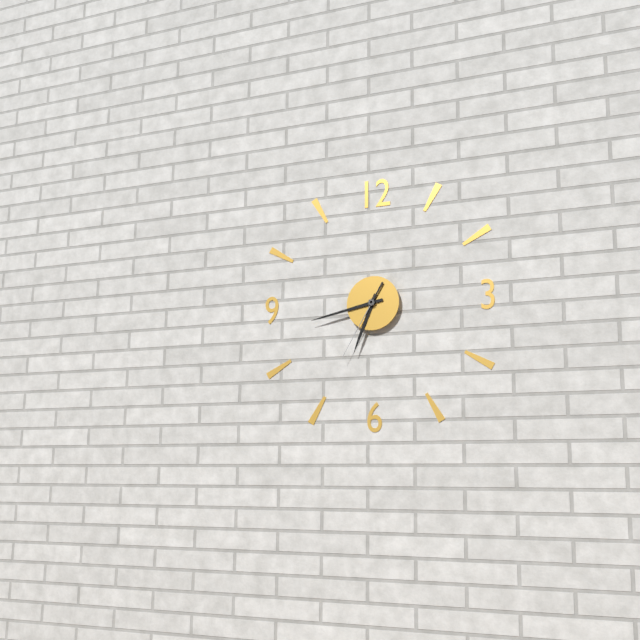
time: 6:43:35
